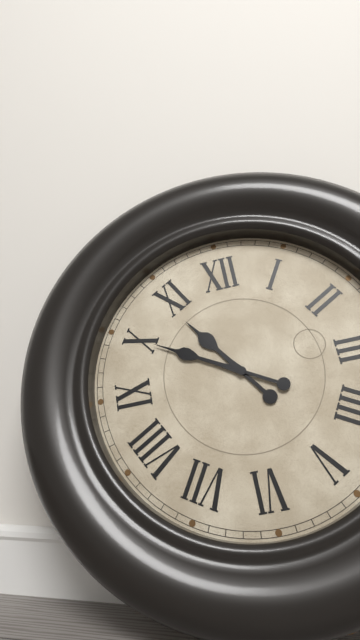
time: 10:50
